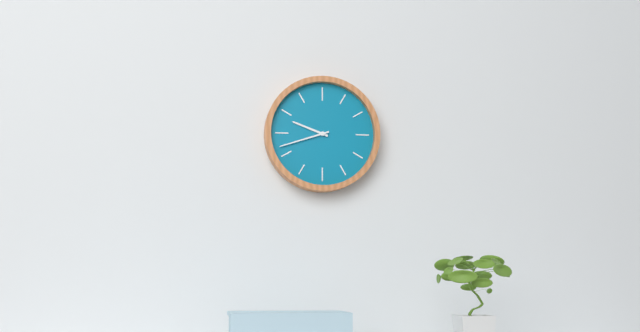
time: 9:42
